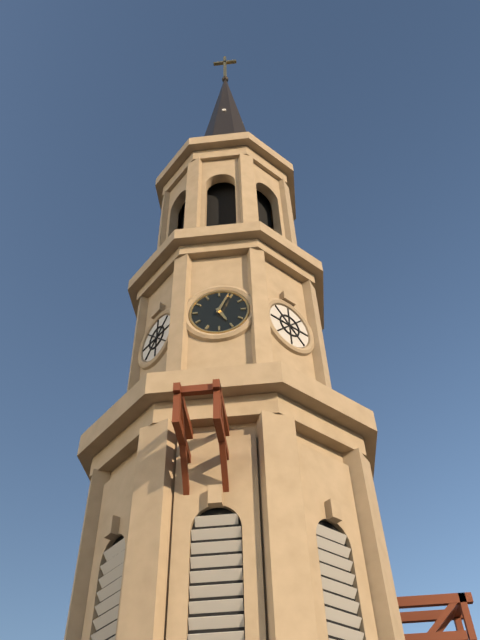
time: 5:04
